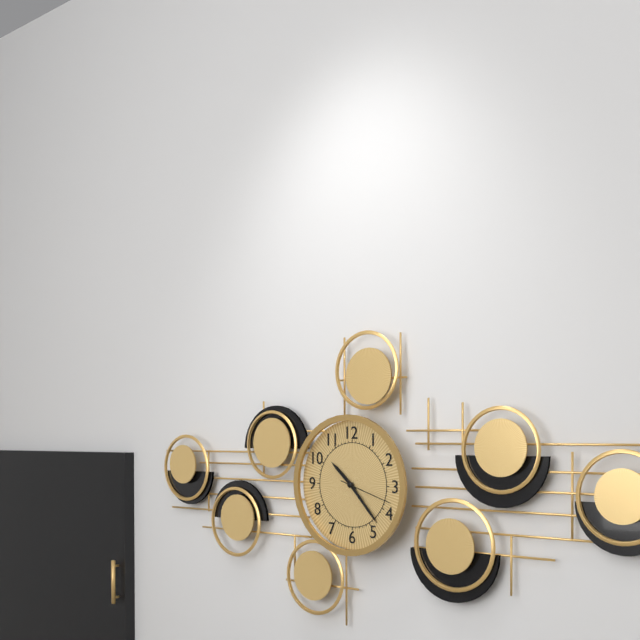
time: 10:23:18
